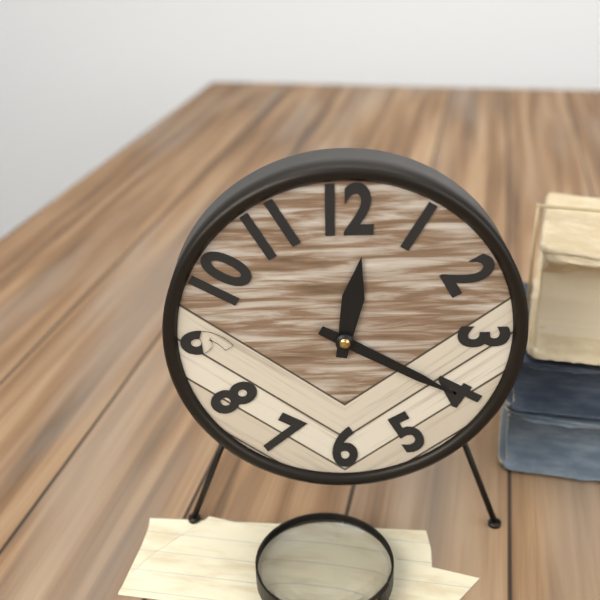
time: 12:20
